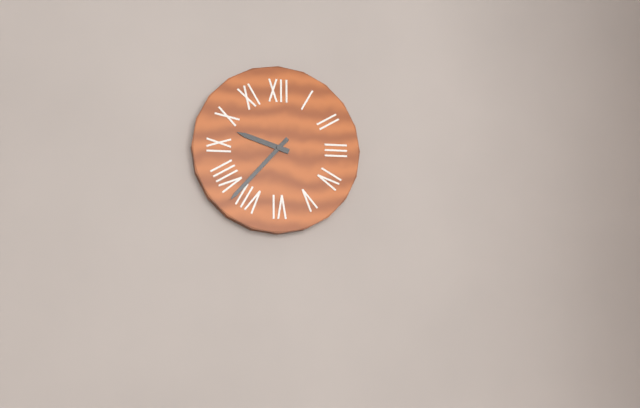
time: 9:37
